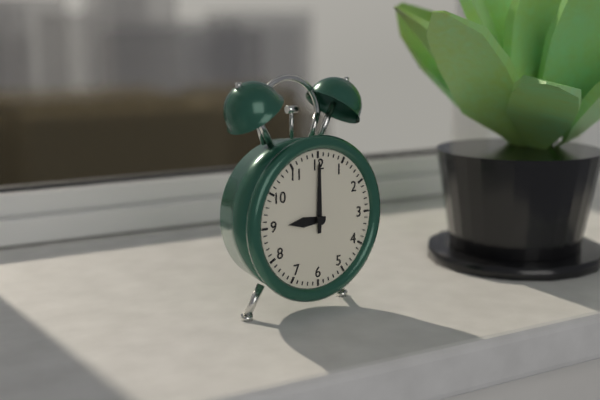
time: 9:00
